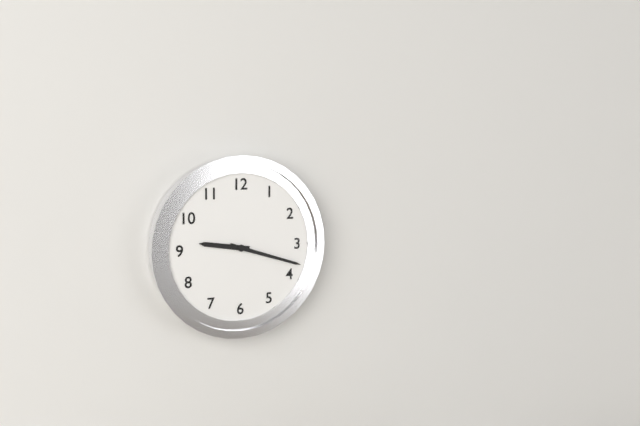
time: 9:18
